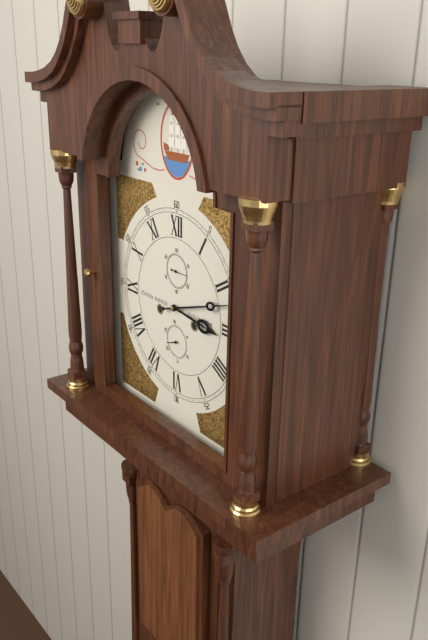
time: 3:12
